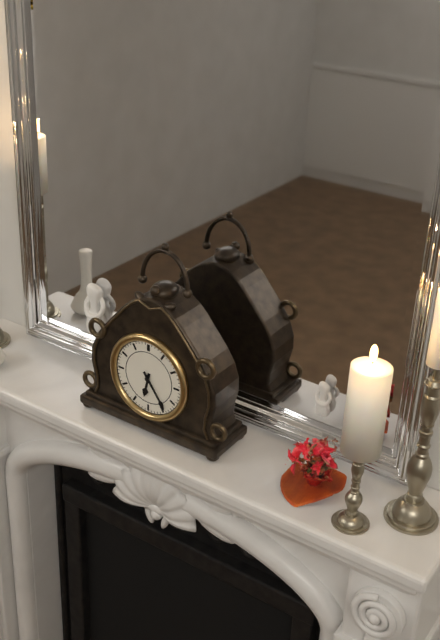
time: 6:24
